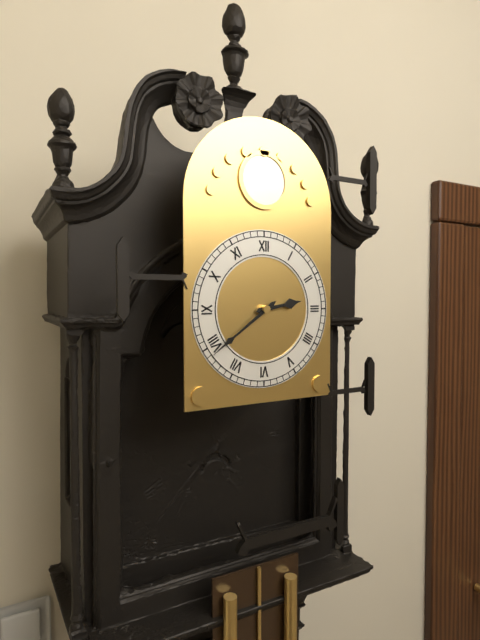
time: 2:39
